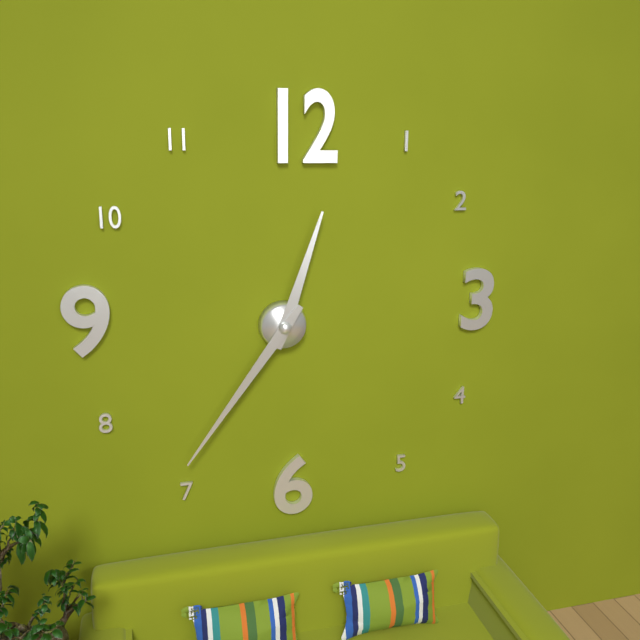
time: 12:36
